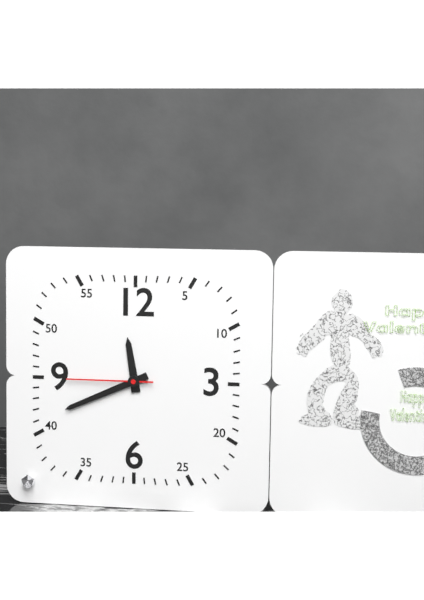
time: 11:41:45
